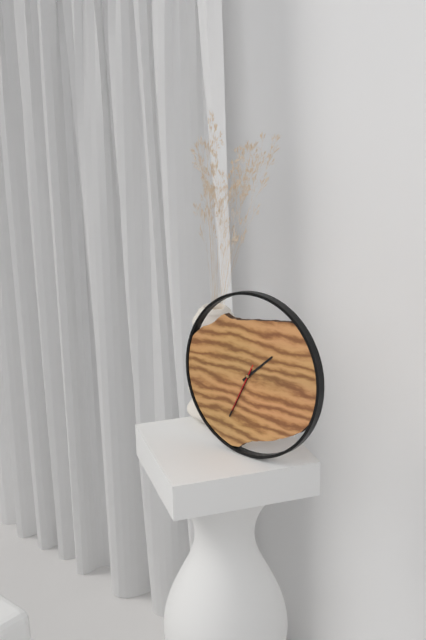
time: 1:34:34
